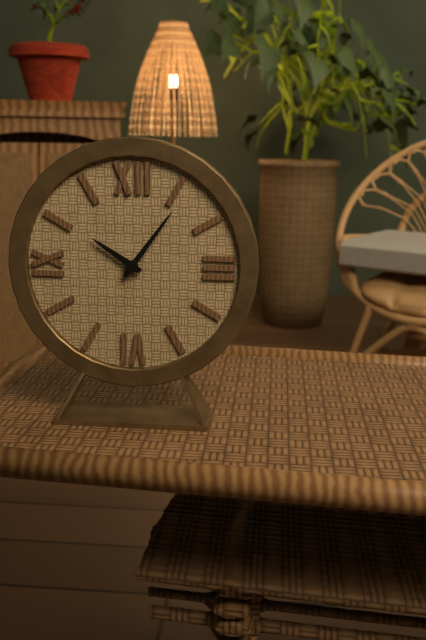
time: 10:06
